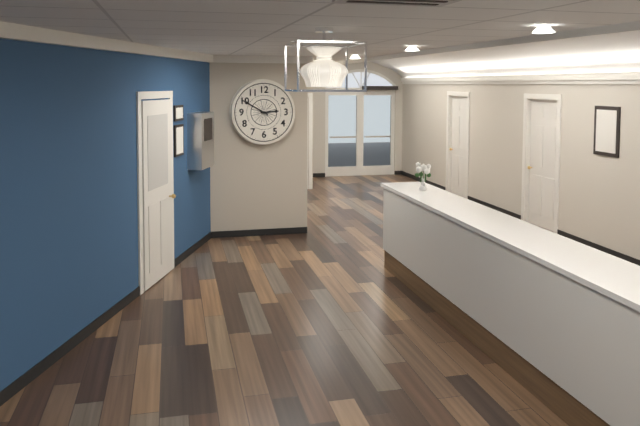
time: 2:50
